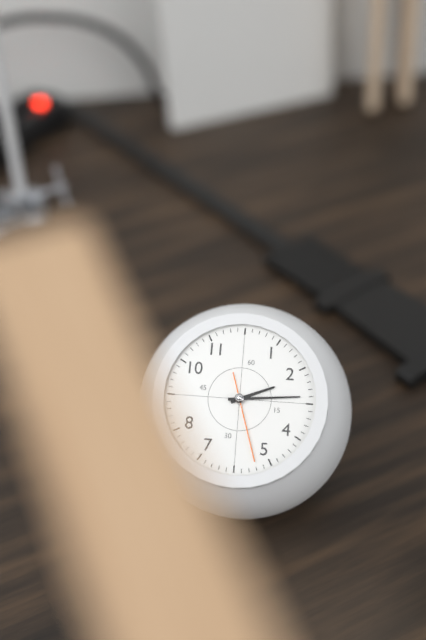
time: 2:14:27
